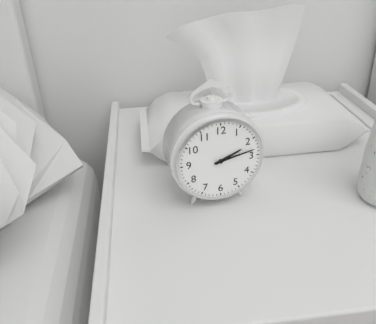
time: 2:13
